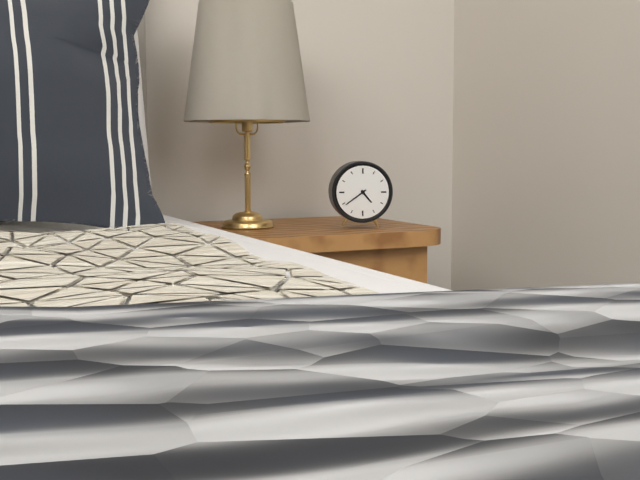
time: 4:39
